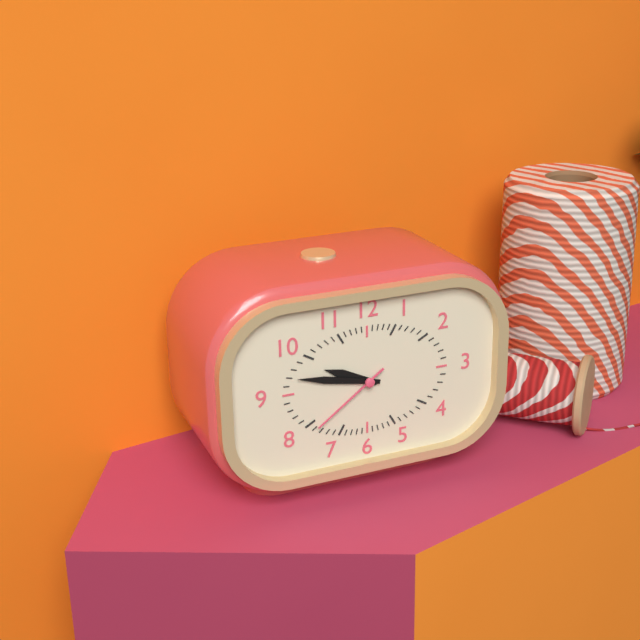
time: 9:47:39
